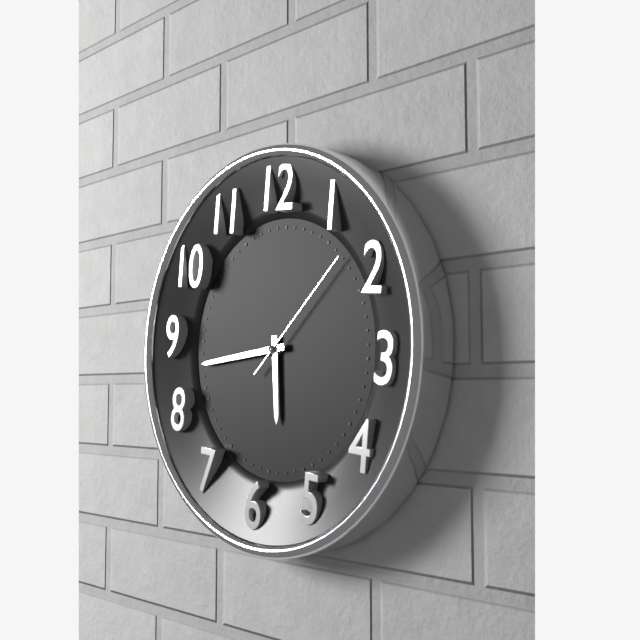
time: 5:43:07
